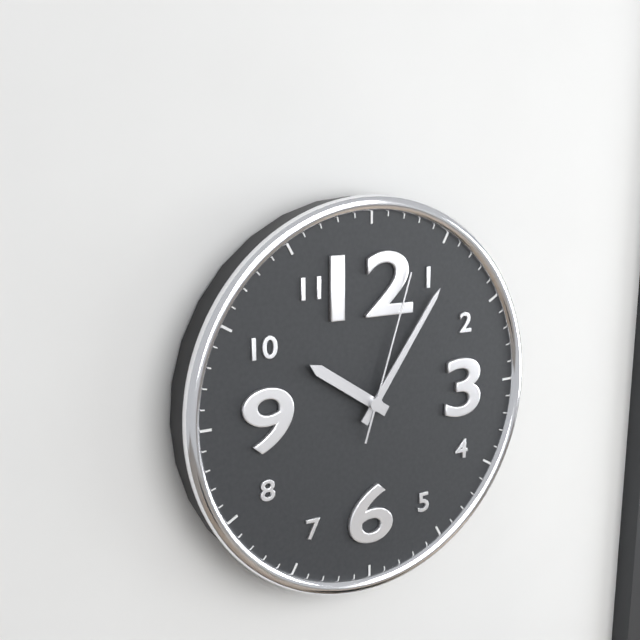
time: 10:06:03
